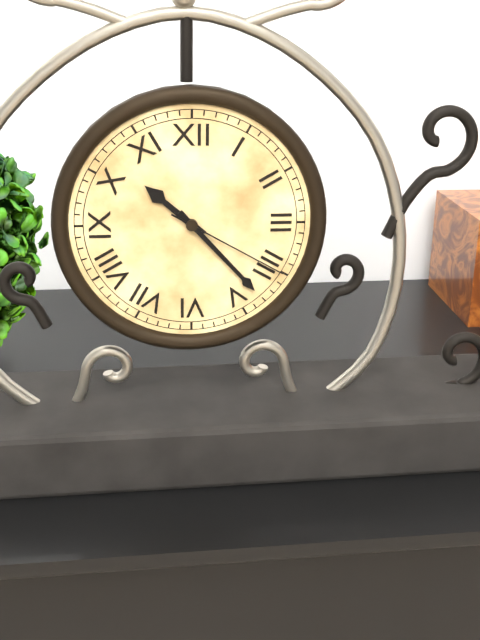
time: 10:23:20
